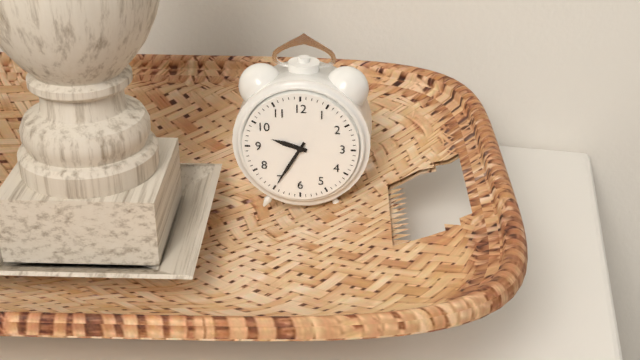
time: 9:35
